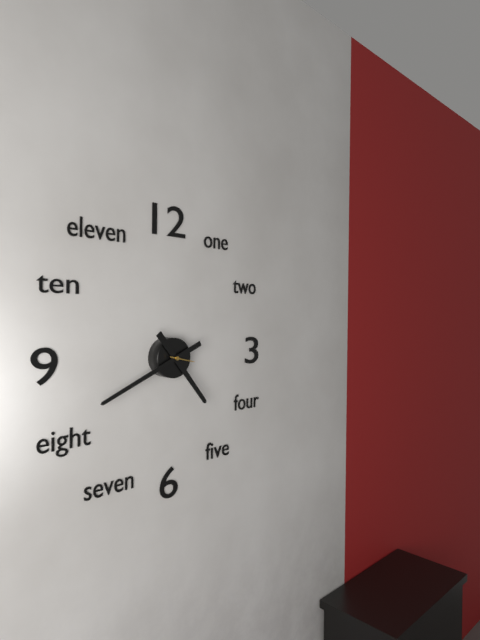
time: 4:41
